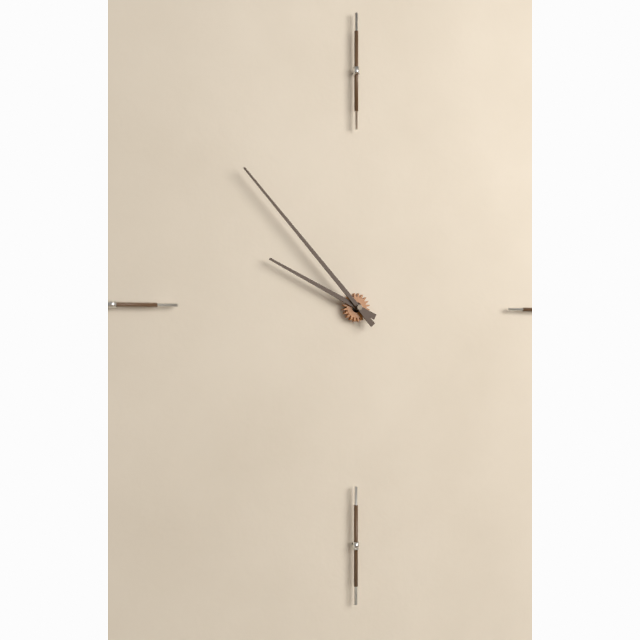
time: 9:53
